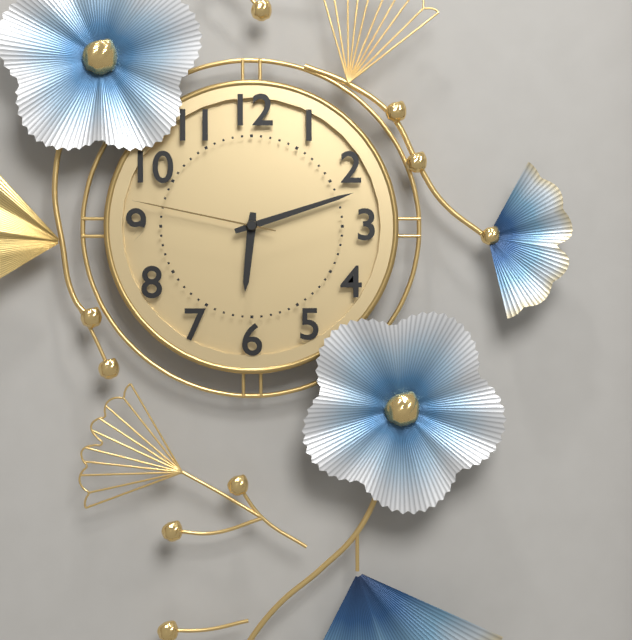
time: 6:12:47
